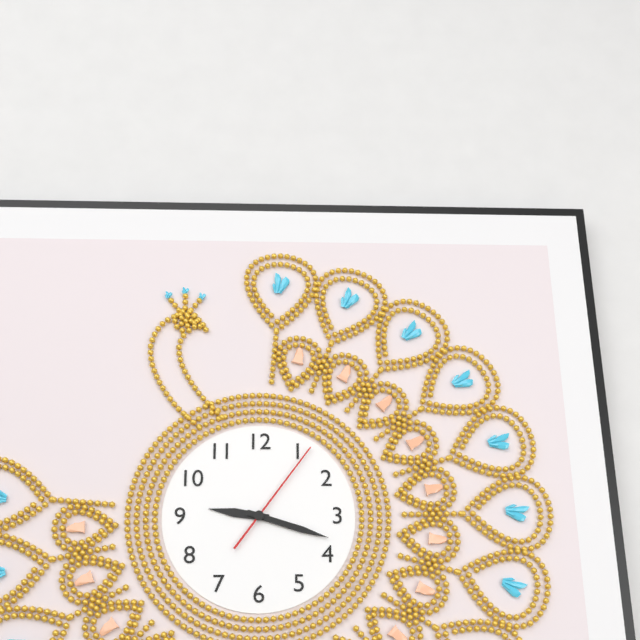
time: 9:18:06
